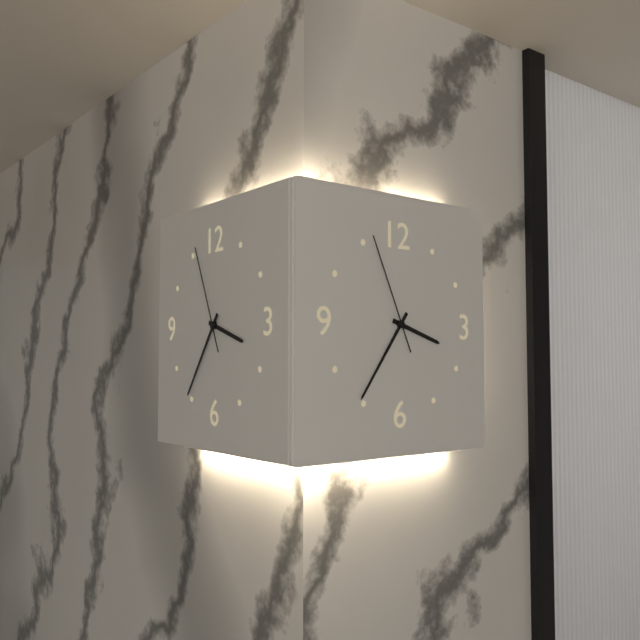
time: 3:36:56
